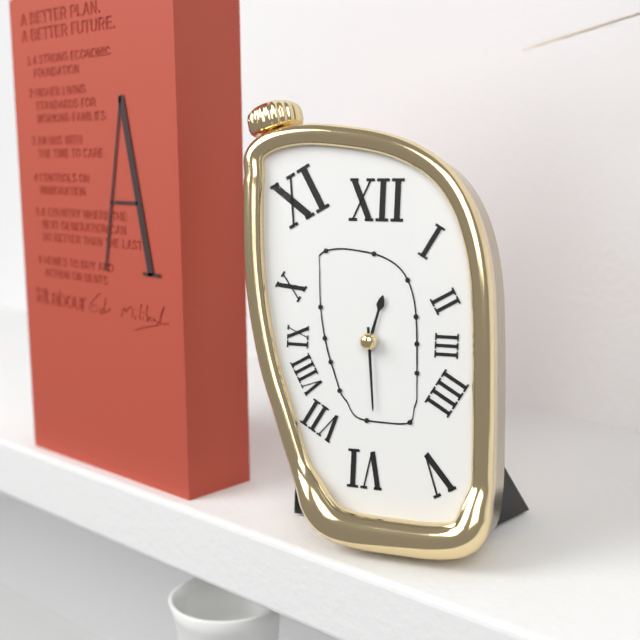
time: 12:29
